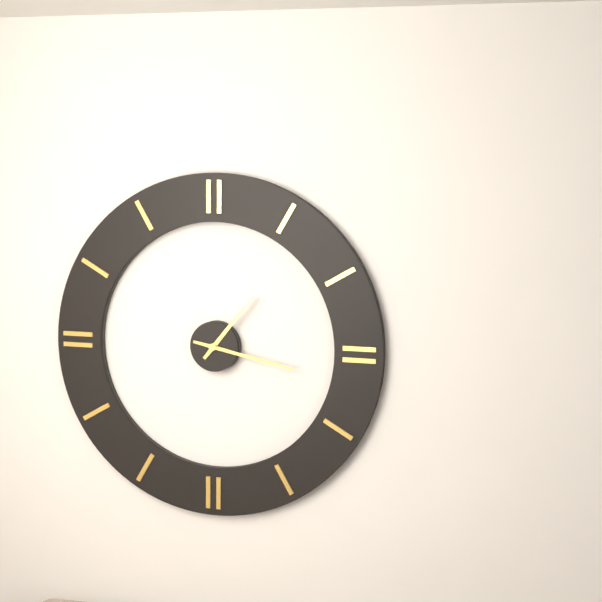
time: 1:17
